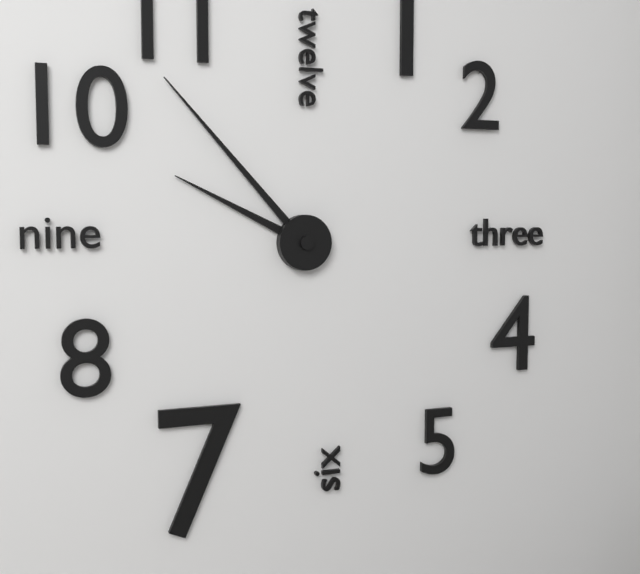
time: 9:53
